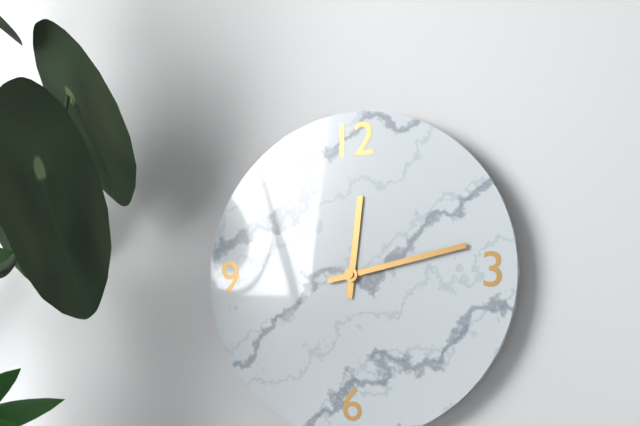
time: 12:13
